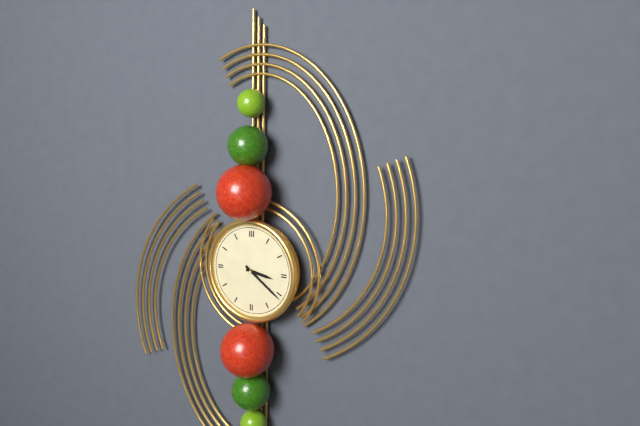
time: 3:21
